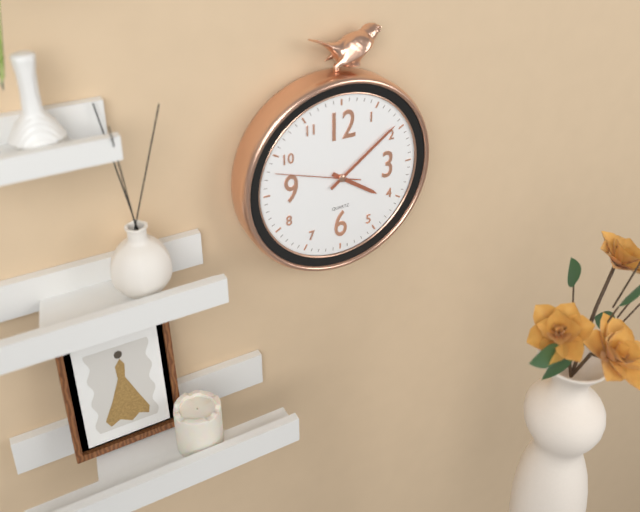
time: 4:09:48
